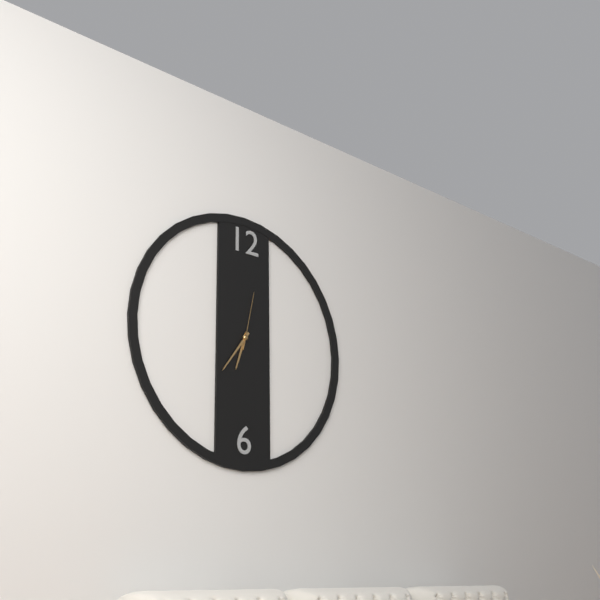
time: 6:36:02
